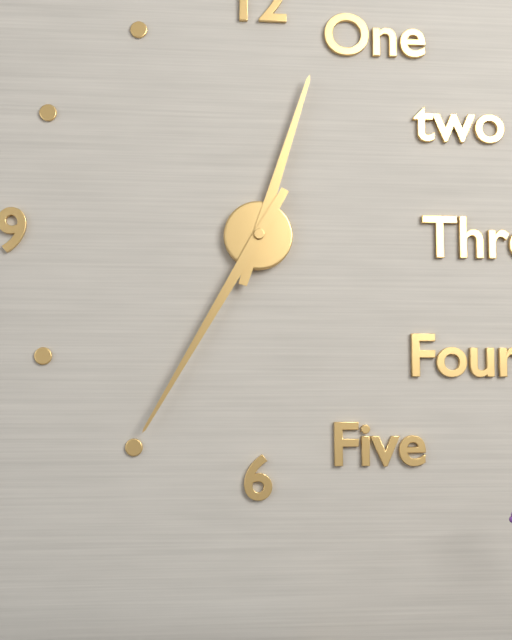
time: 12:35
